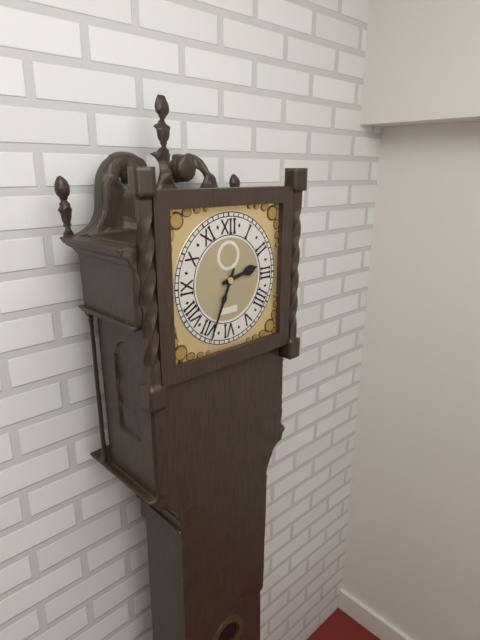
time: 2:34
